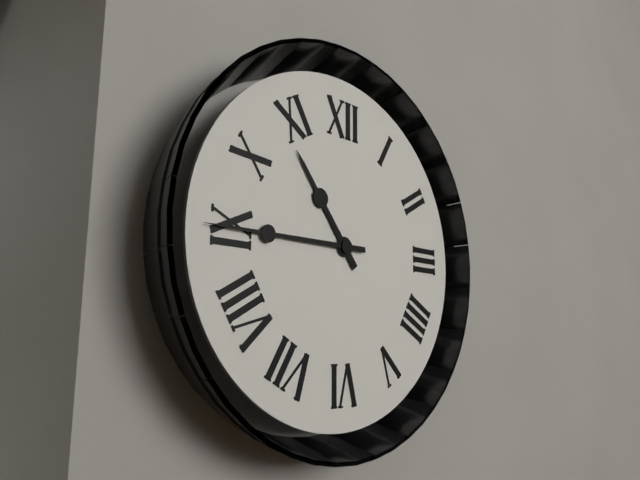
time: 10:45
